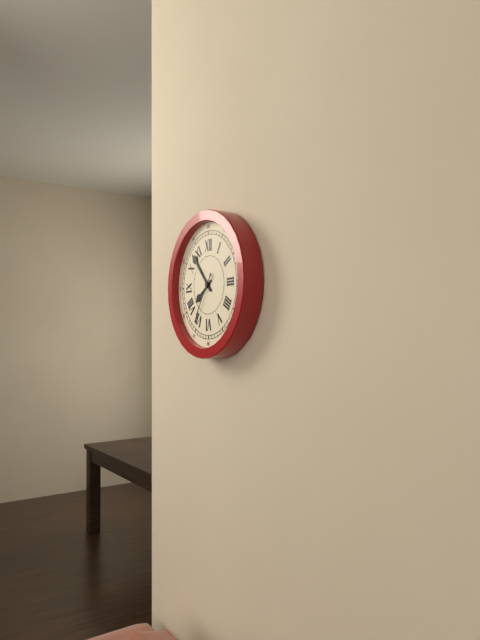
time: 7:53
